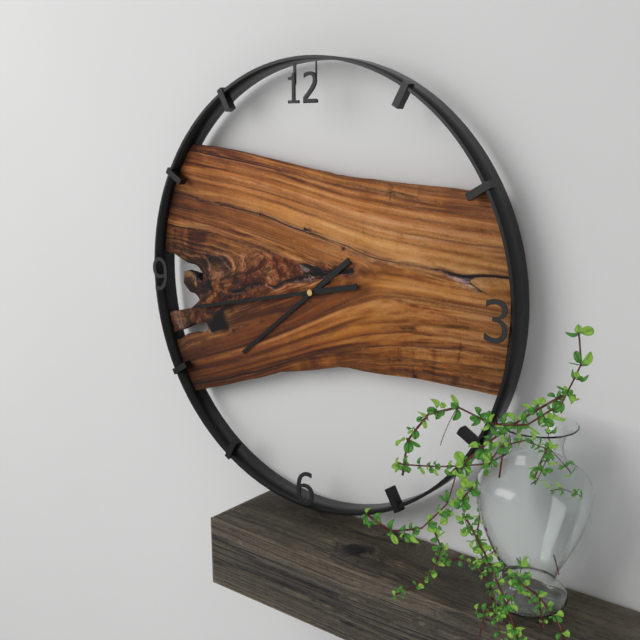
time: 7:43
